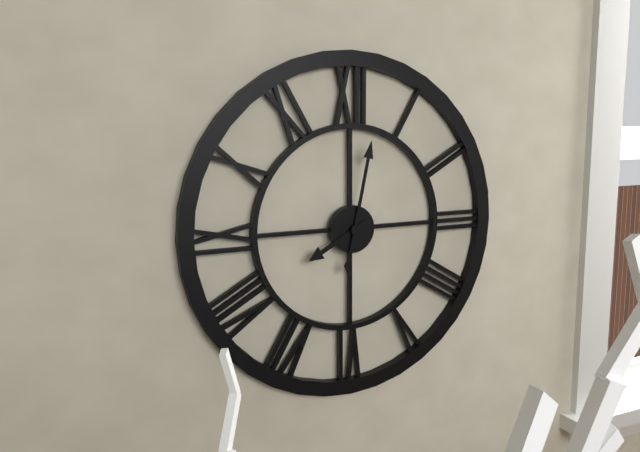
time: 8:02
